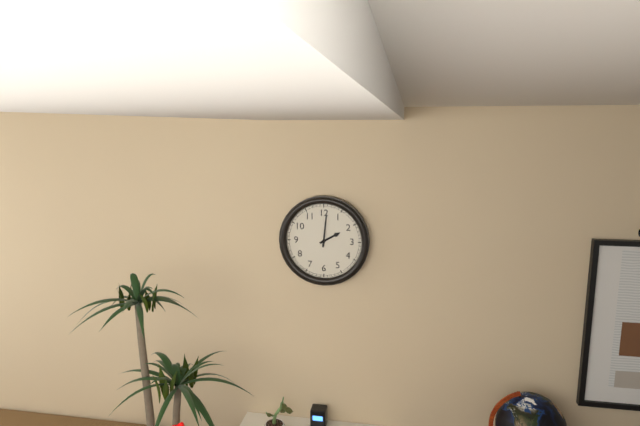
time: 2:01
